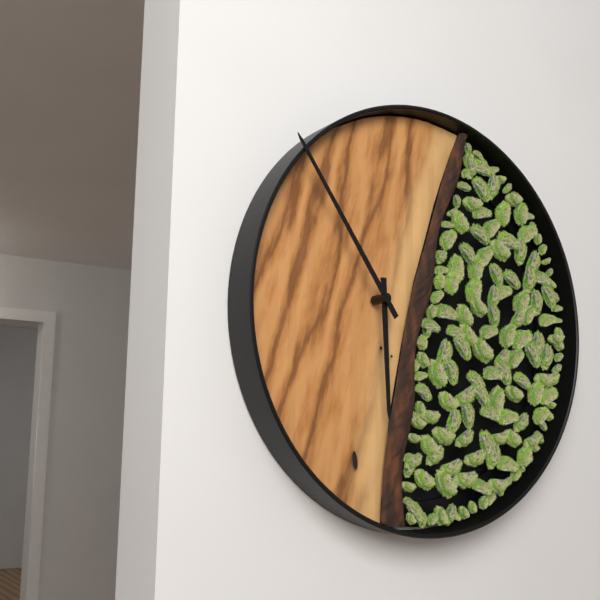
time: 5:54
